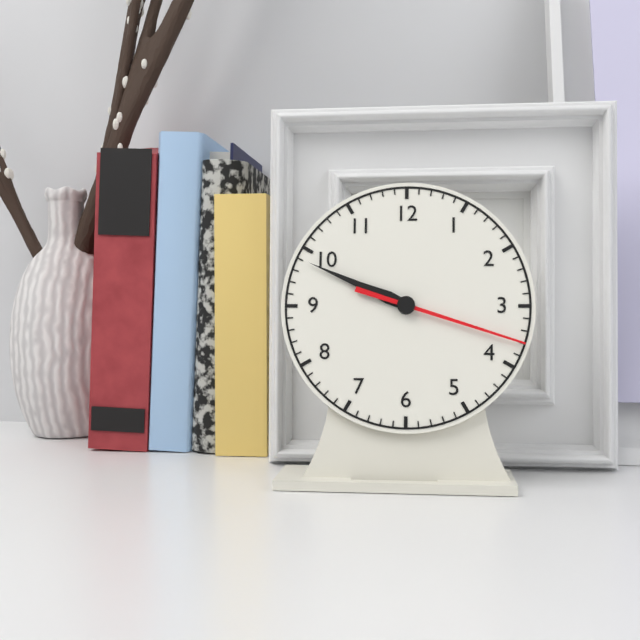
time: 9:49:18
